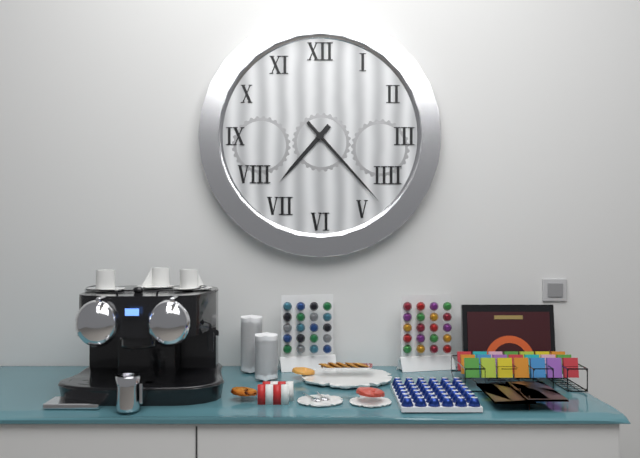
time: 7:23
